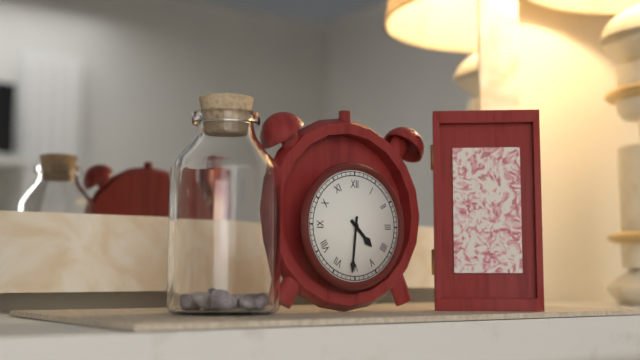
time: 4:31
